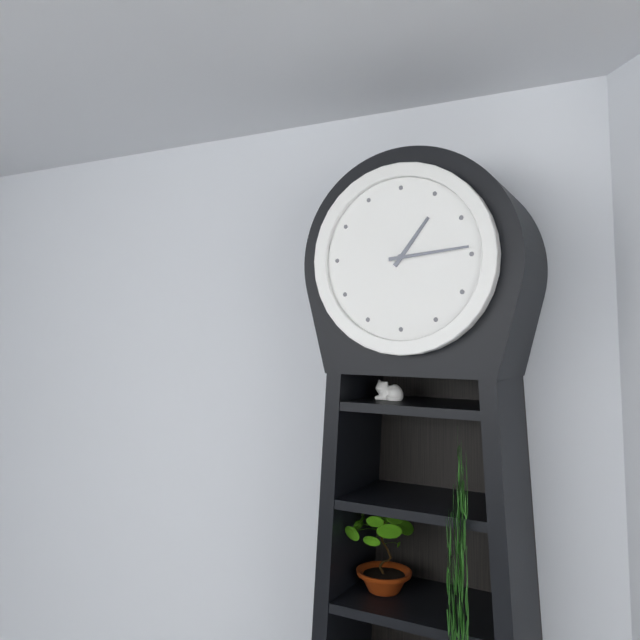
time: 1:14
